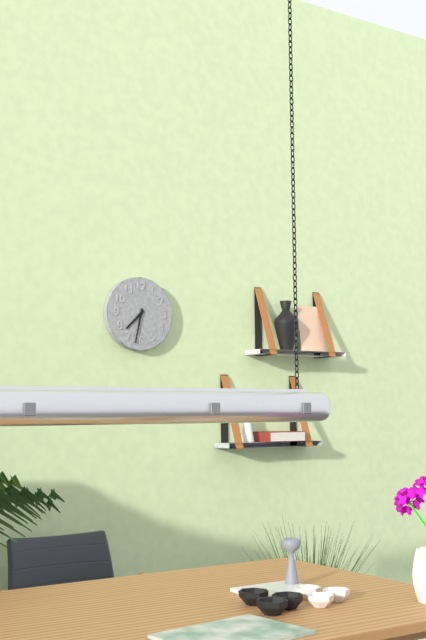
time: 7:32
